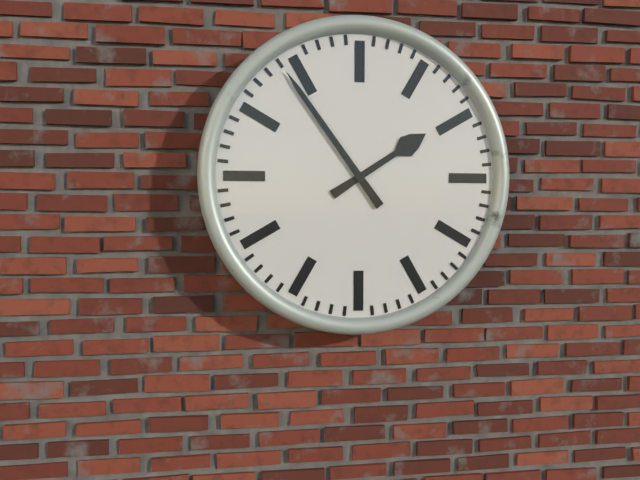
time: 1:54
